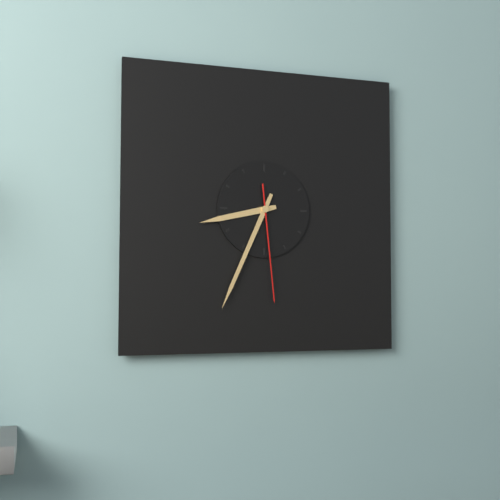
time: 8:34:29
